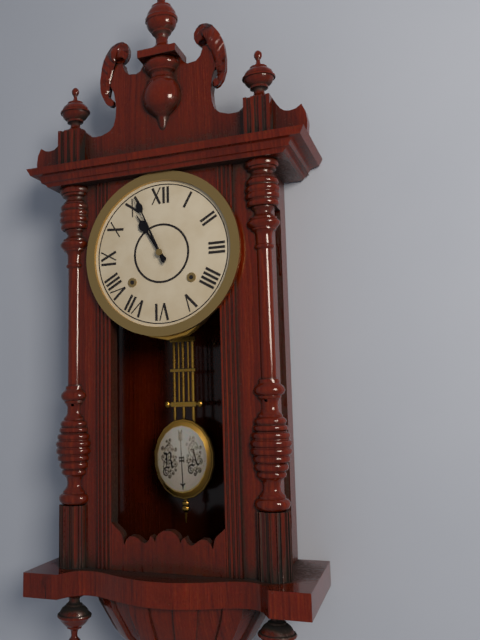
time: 10:56
